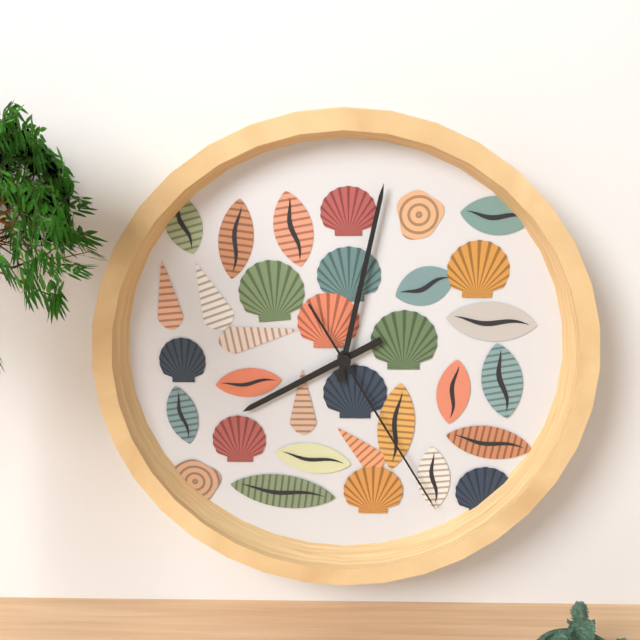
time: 8:02:25
